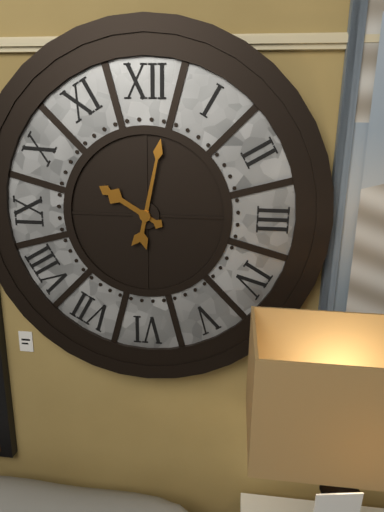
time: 10:02
